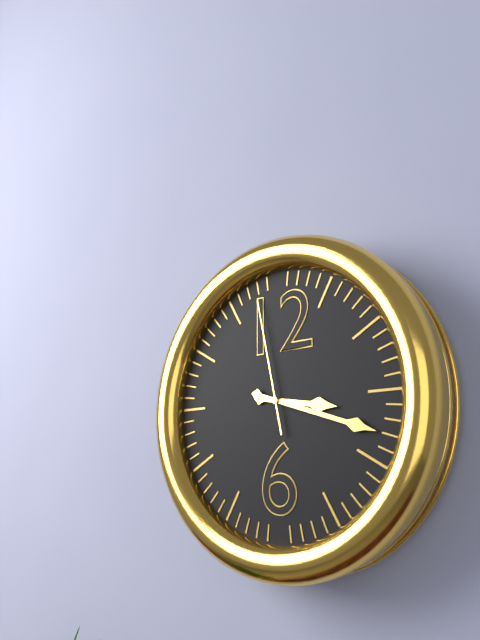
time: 3:18:58
